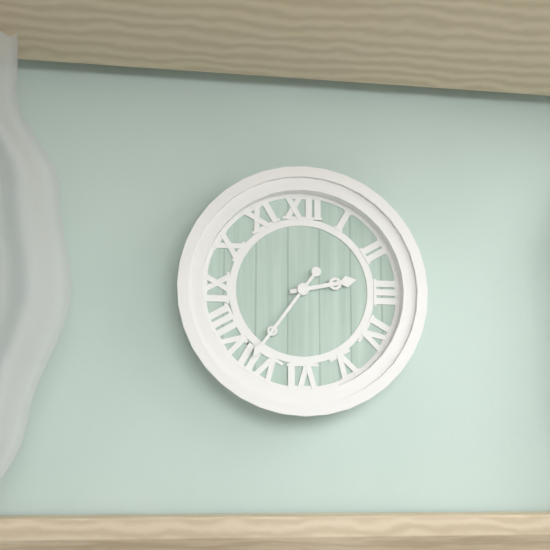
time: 2:36
